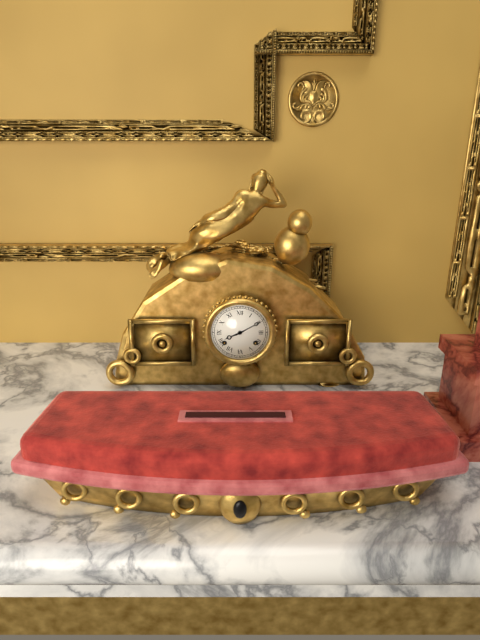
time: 8:10
